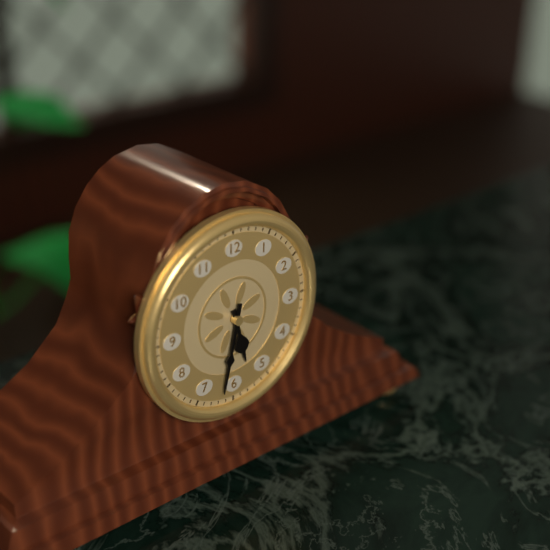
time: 5:32
